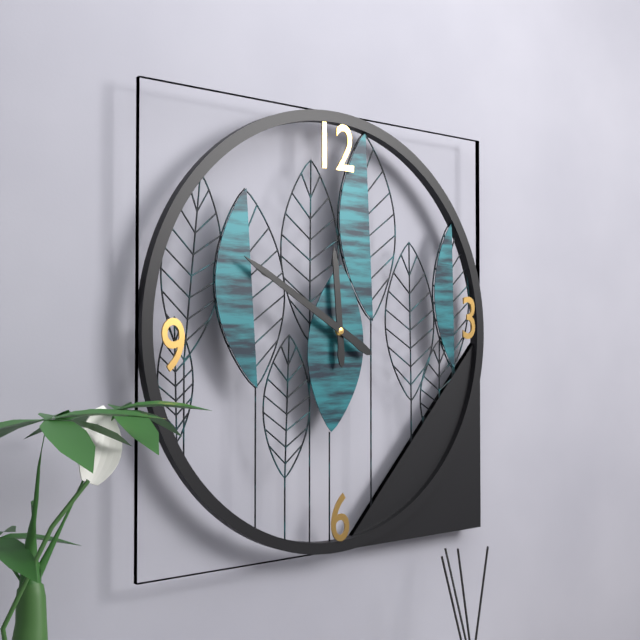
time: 11:50
